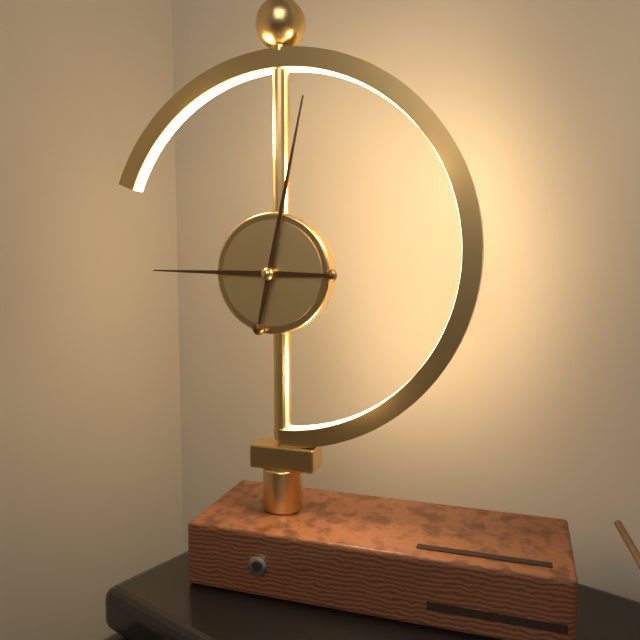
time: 9:02
